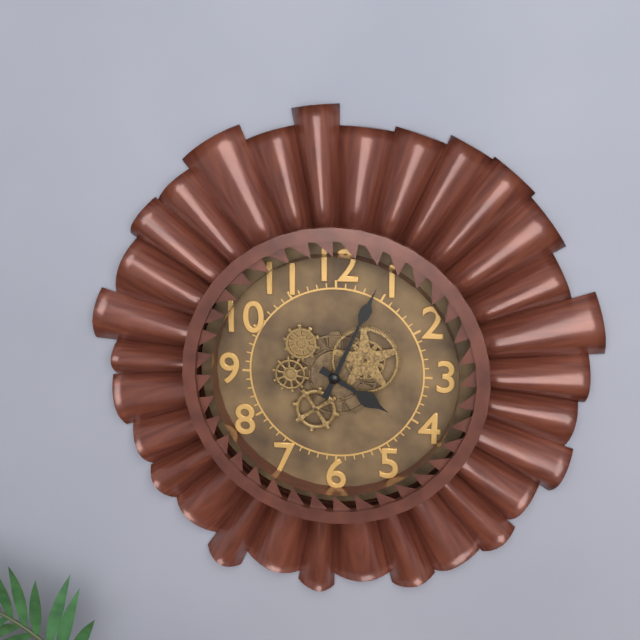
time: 4:04
